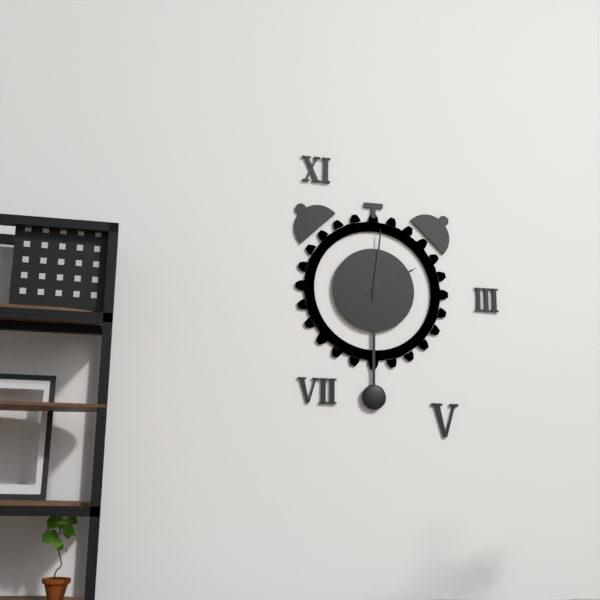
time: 2:01
